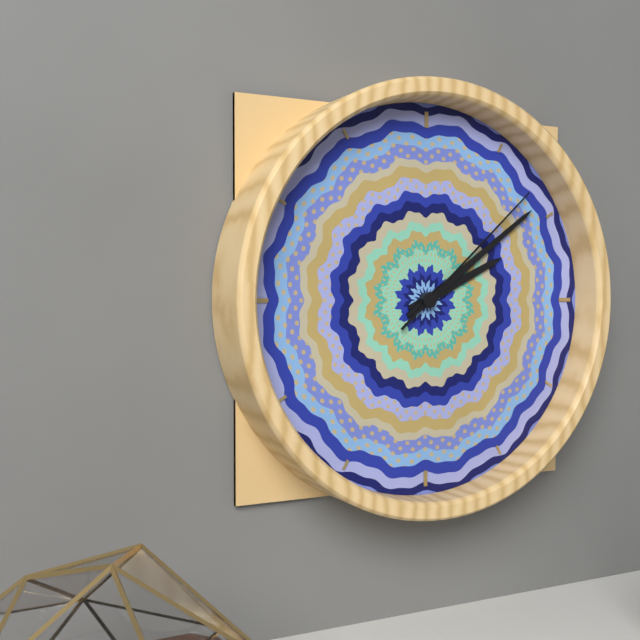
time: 2:09:08
